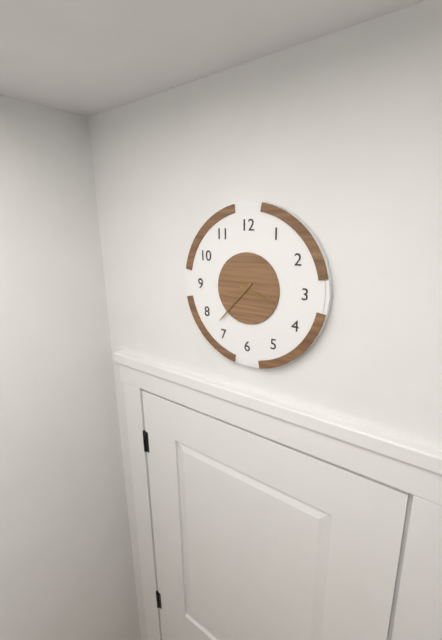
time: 3:37
